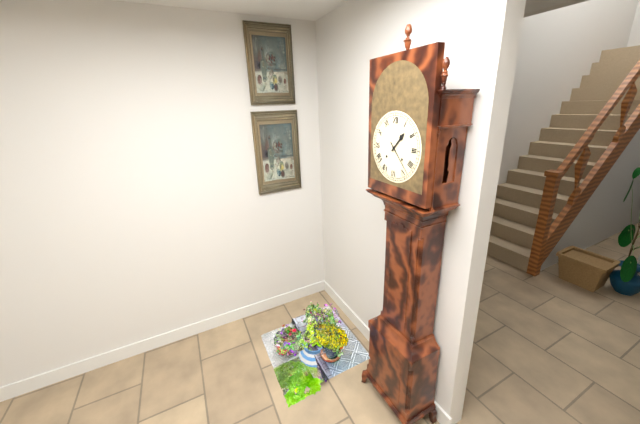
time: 1:23
